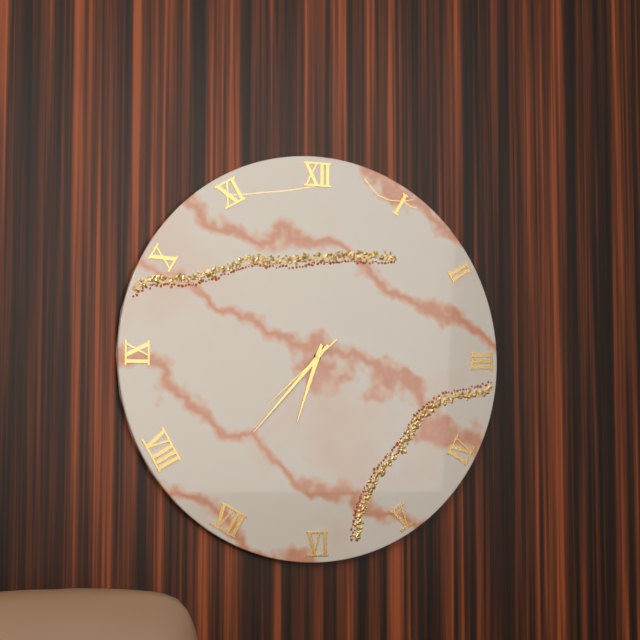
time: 6:37:38
